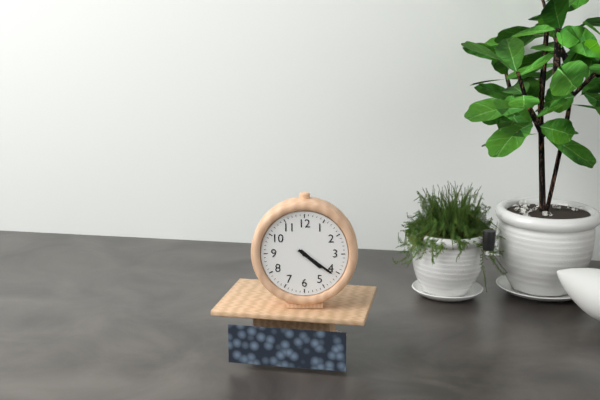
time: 4:21
